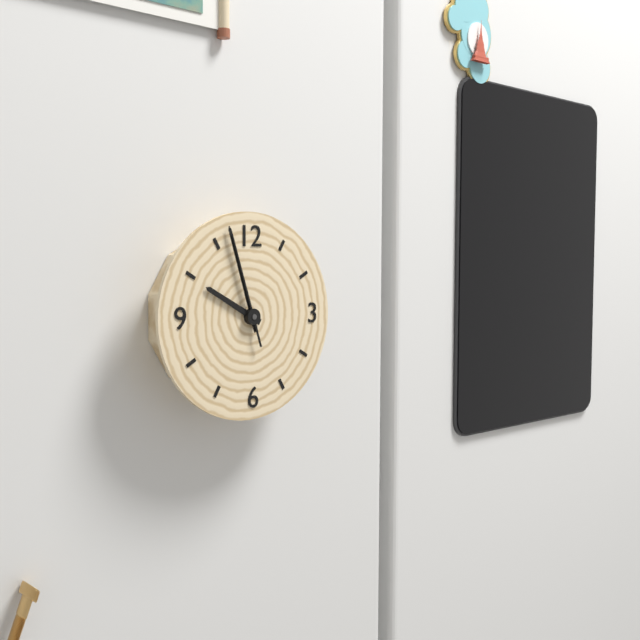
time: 9:57:57
